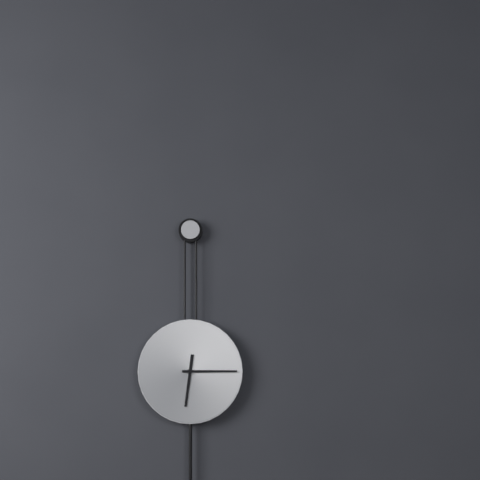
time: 6:15
